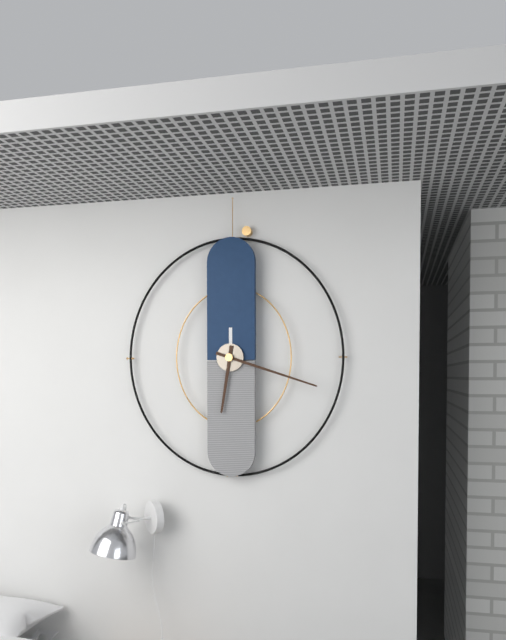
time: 6:18
